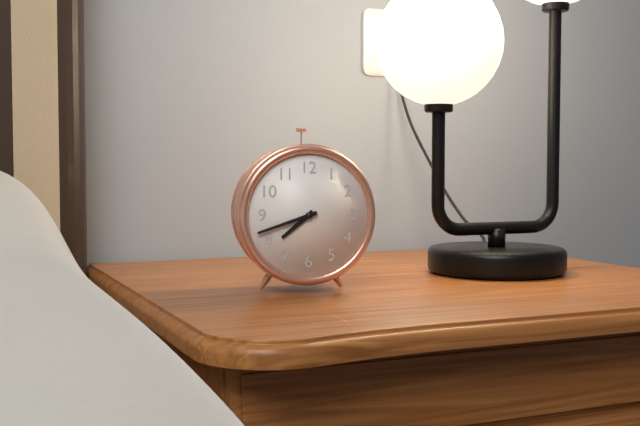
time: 7:42
